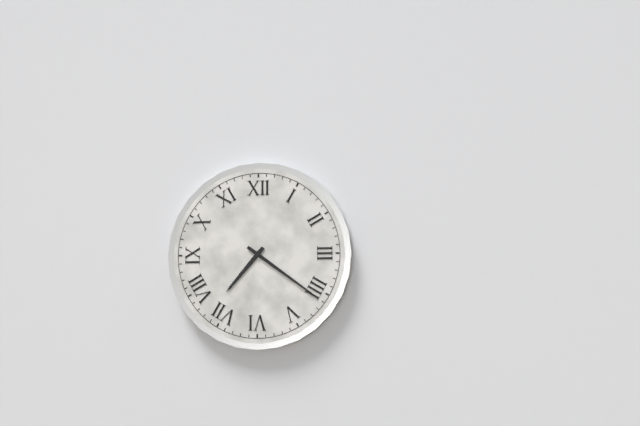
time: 7:21
